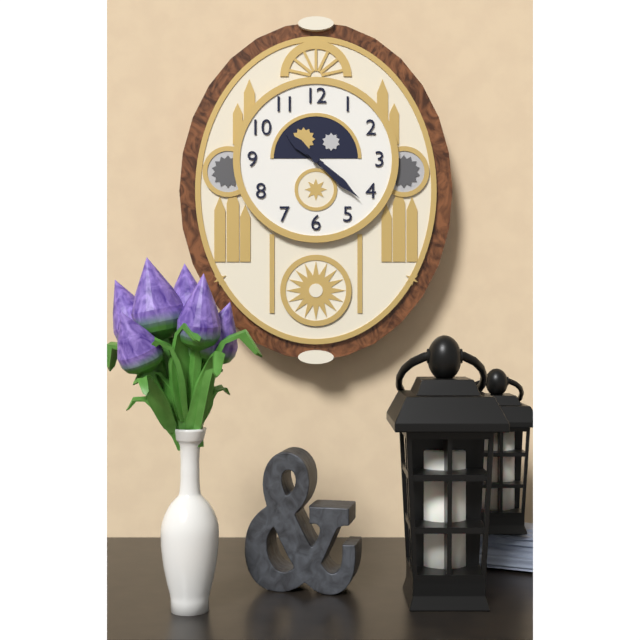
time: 10:22
